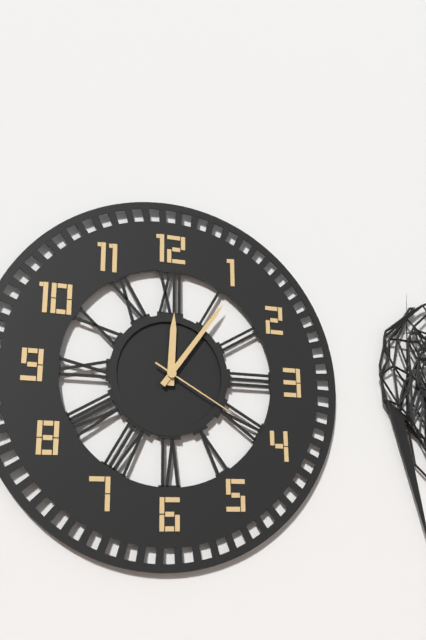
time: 12:06:20
